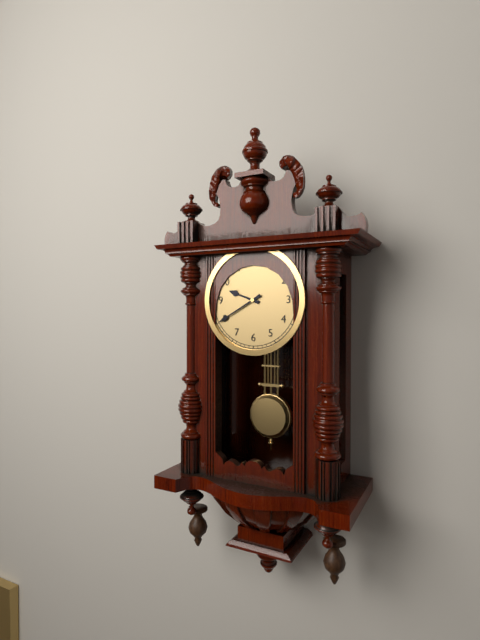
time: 9:40
